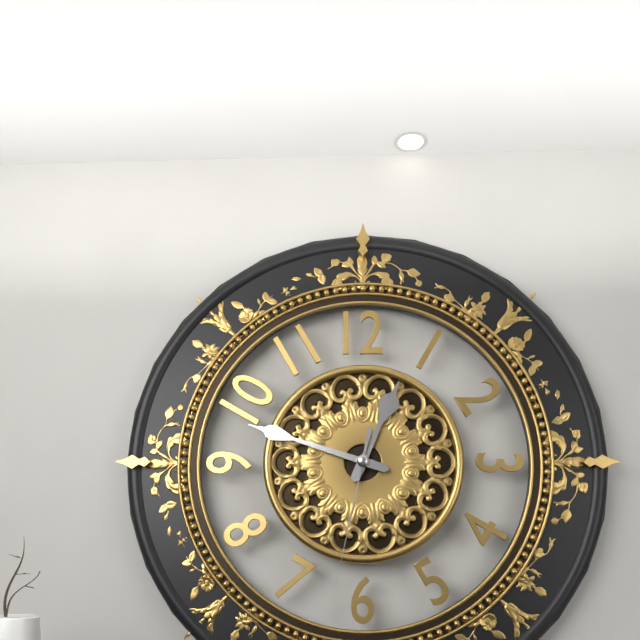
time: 12:48:32
